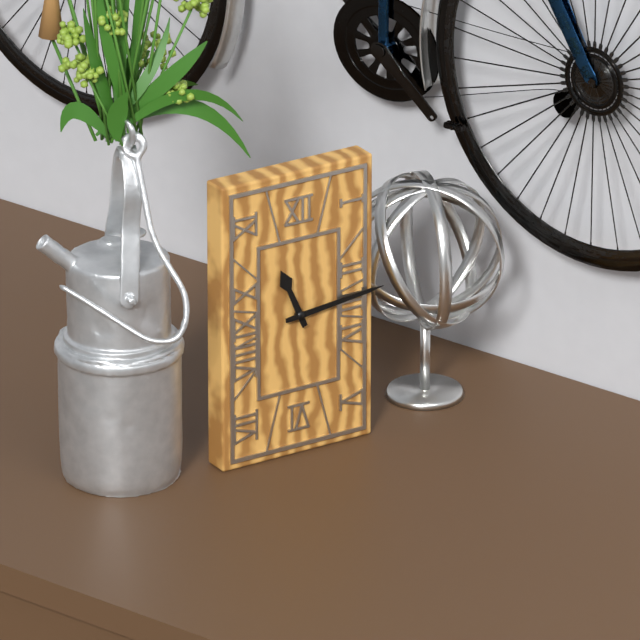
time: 11:14
